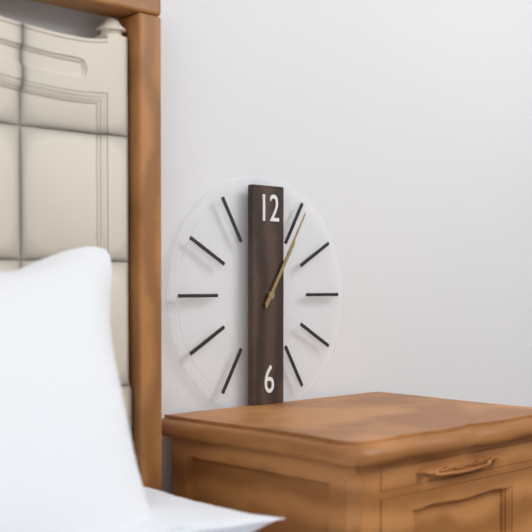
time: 1:05
